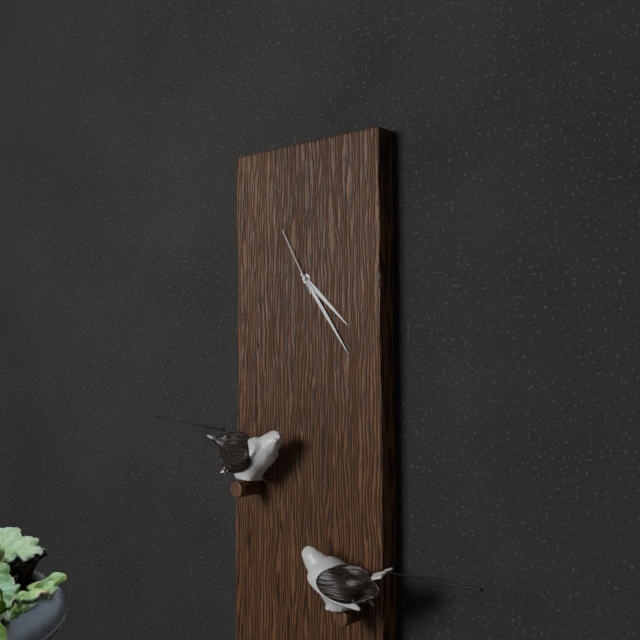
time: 4:24:55
